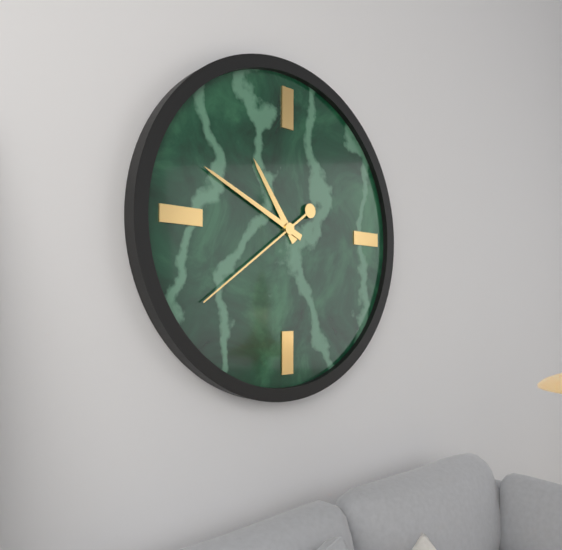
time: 10:49:39
